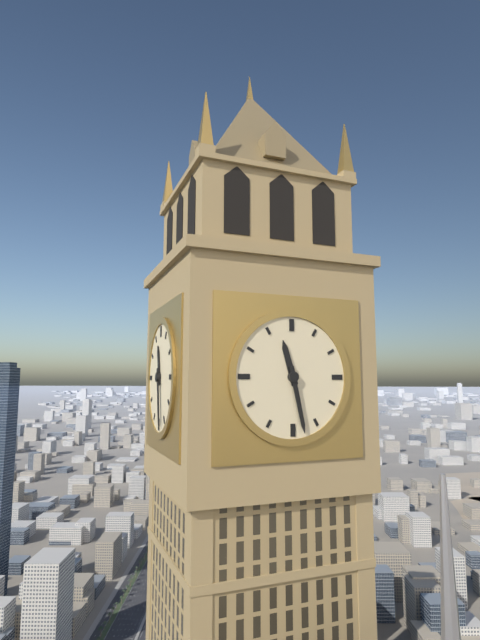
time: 11:28
